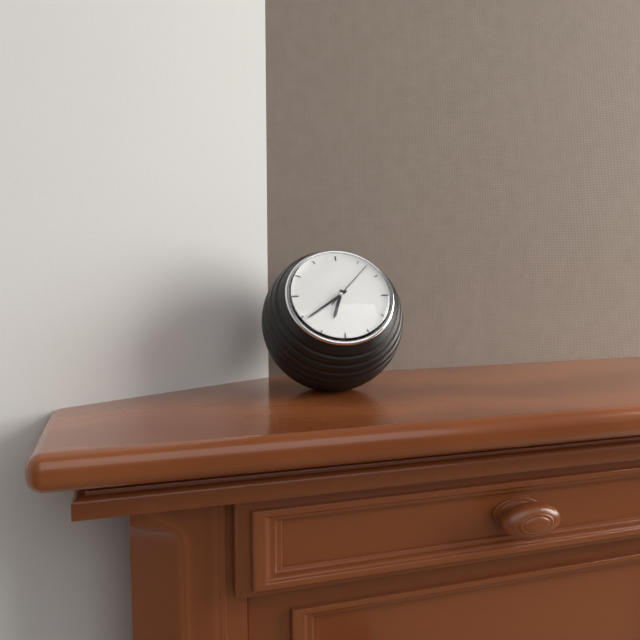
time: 6:39:07
